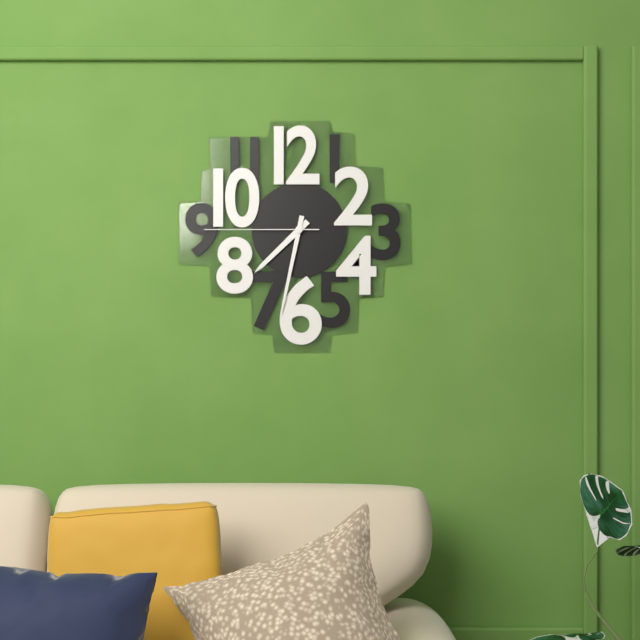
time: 7:32:45
